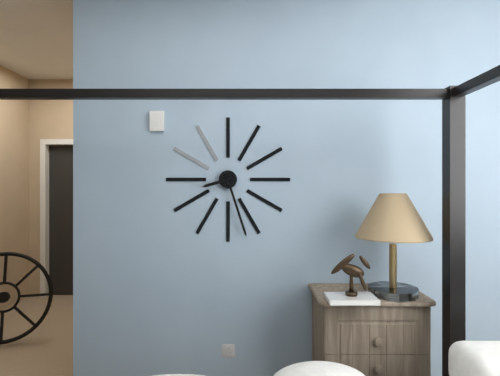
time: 8:27
